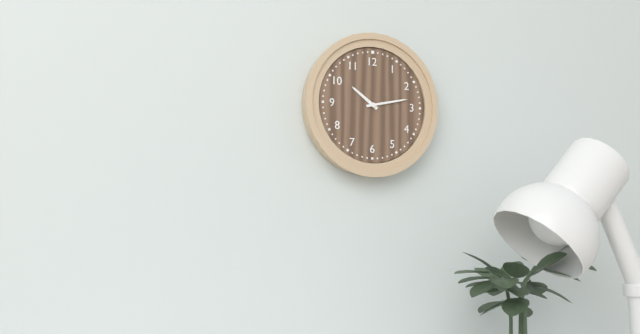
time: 10:13
